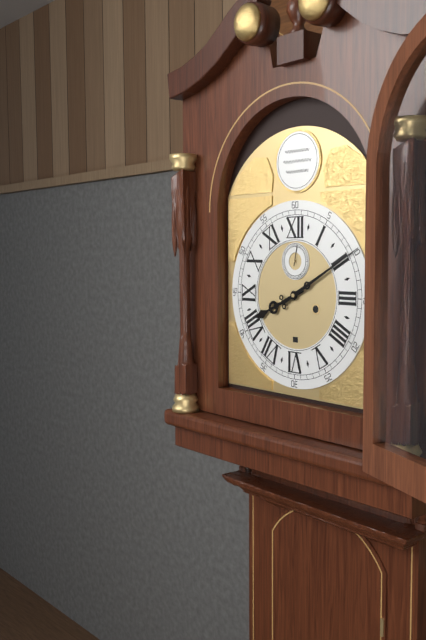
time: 8:10
